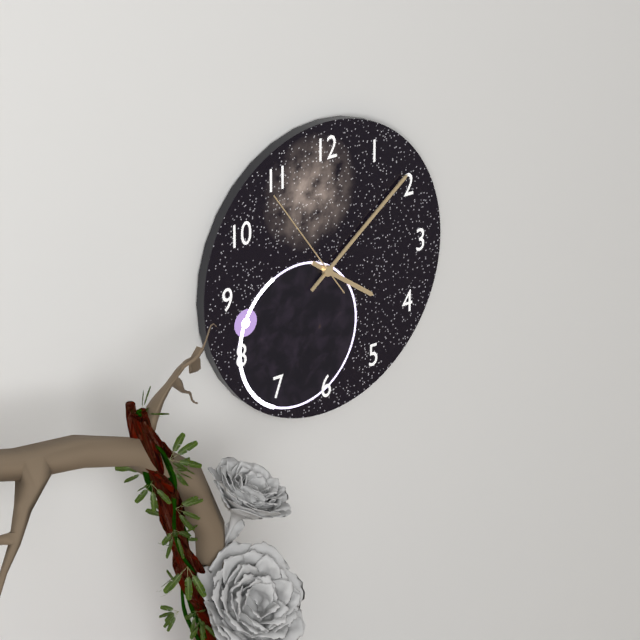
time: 4:09:54
